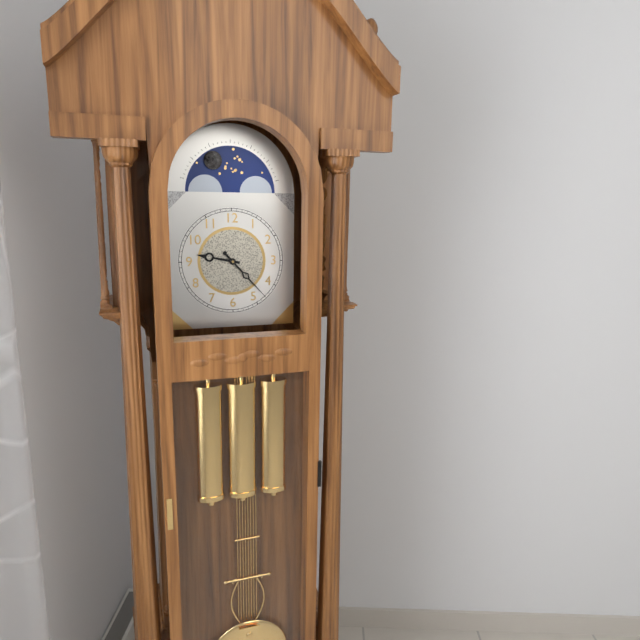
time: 9:23
